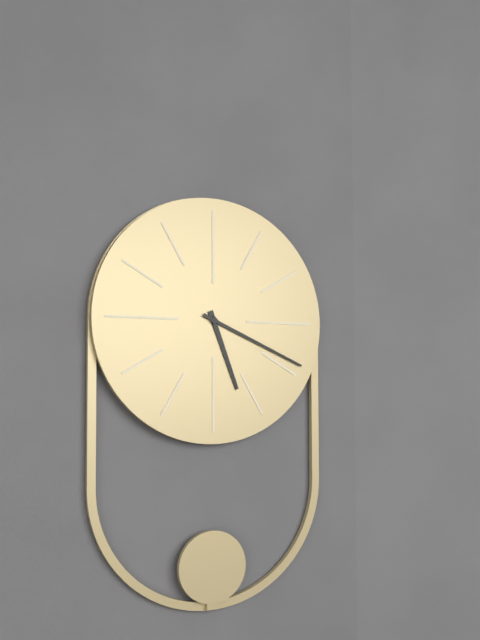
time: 5:19
